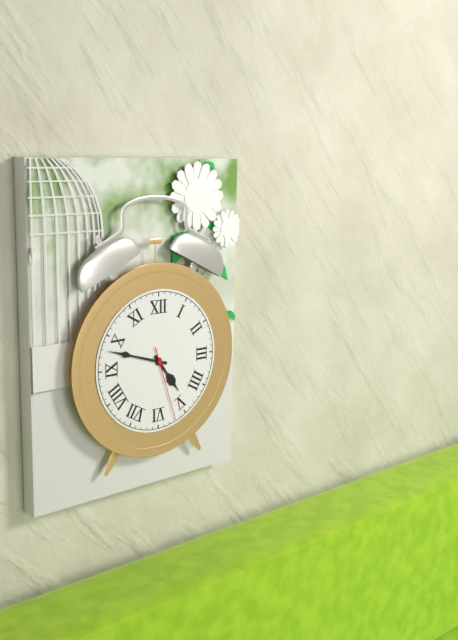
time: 4:48:27
